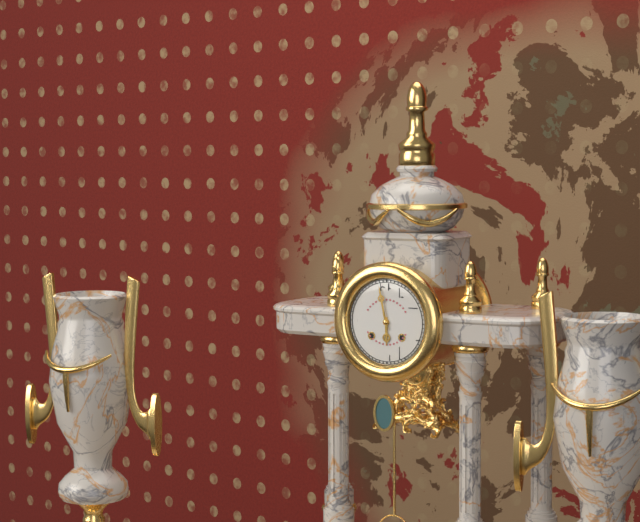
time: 5:58
